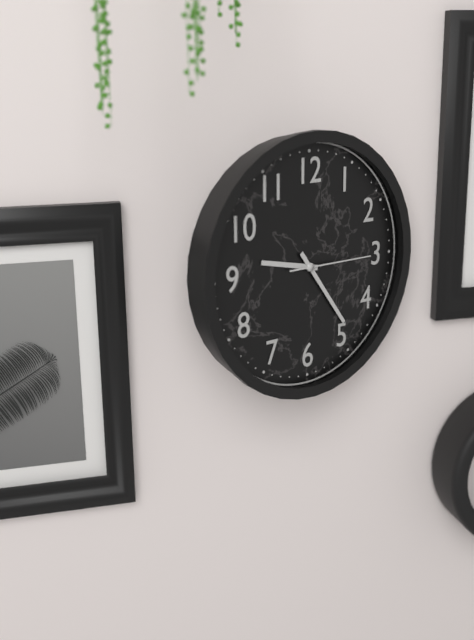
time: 9:24:15
